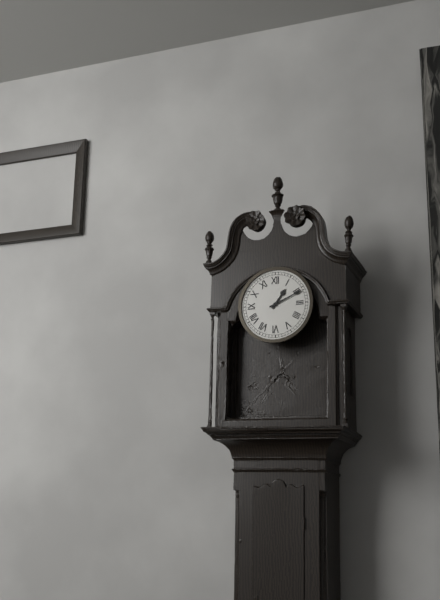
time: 1:11
